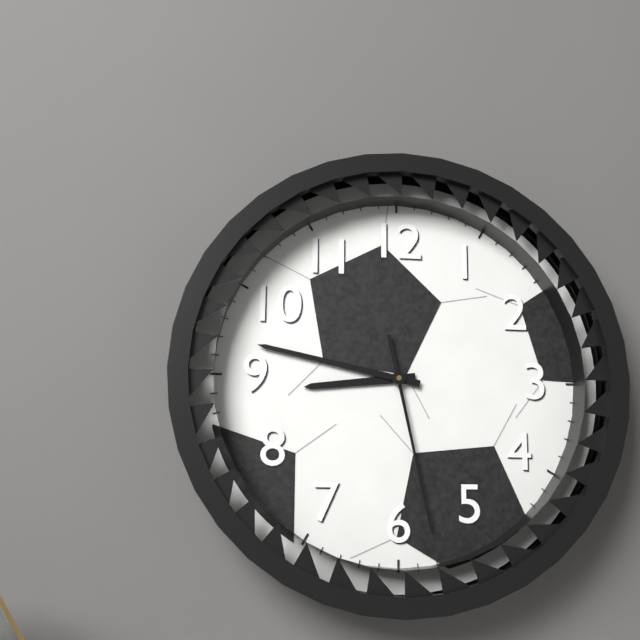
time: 8:47:28
